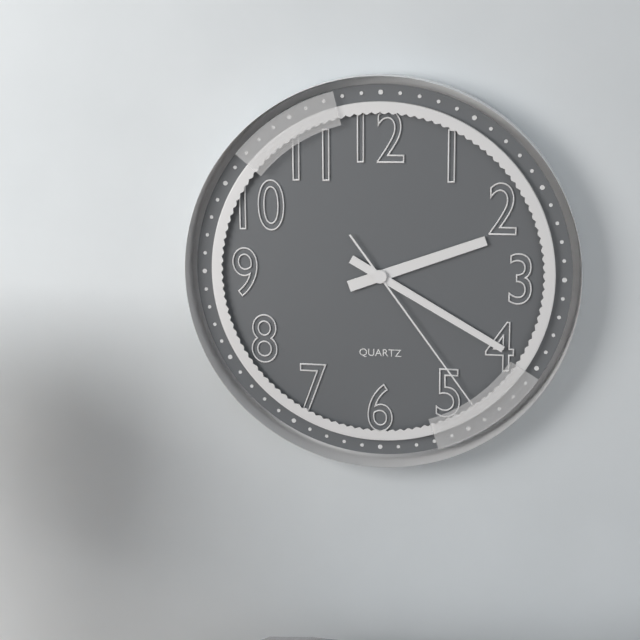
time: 2:20:24
